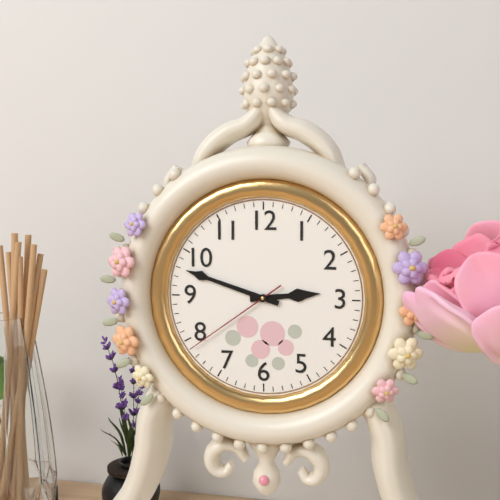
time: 2:48:39
